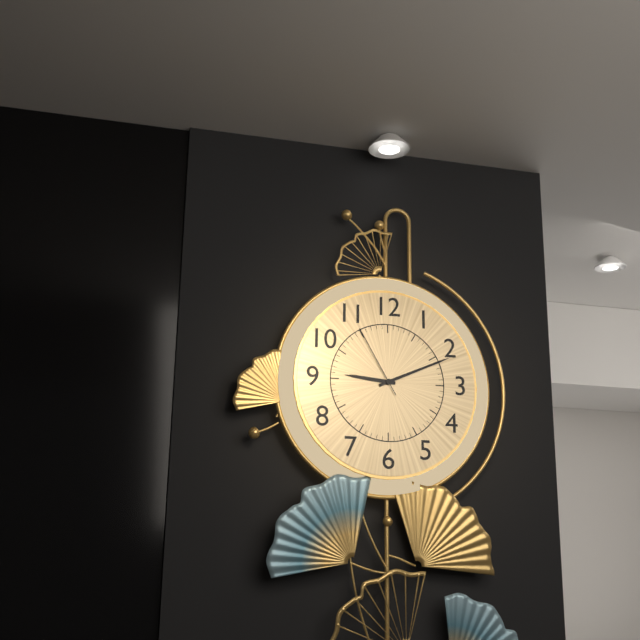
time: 9:11:55
